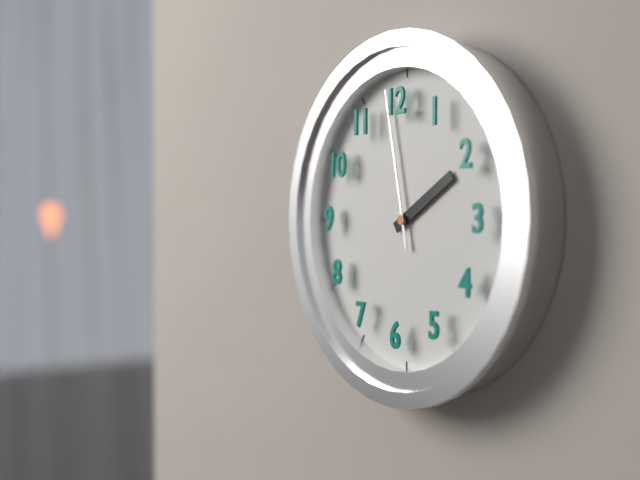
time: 1:58
